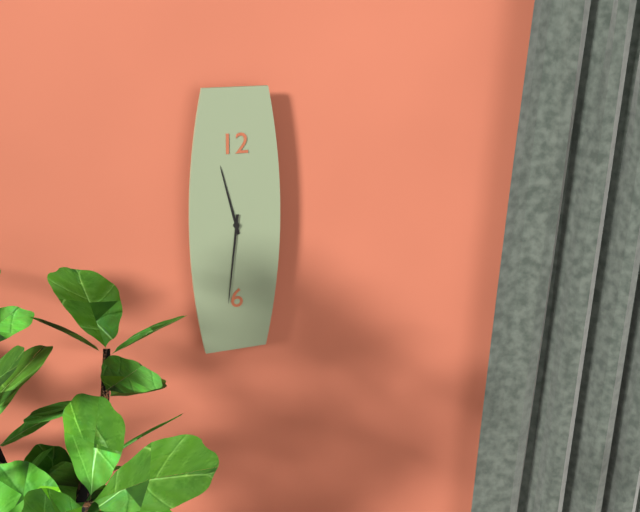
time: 11:31
